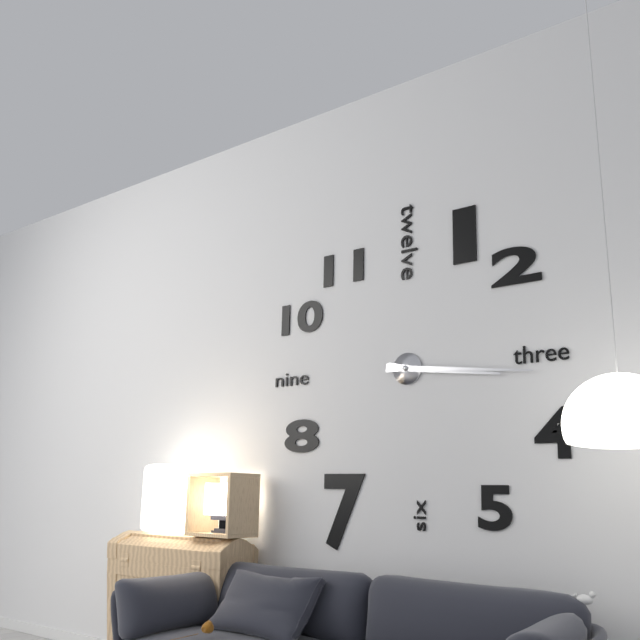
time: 3:16
